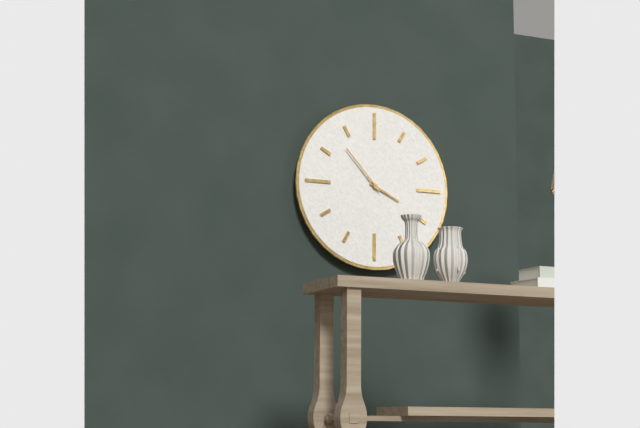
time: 3:53
